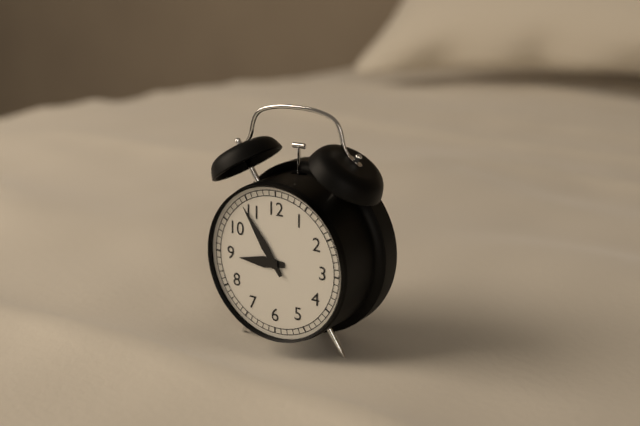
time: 8:54
